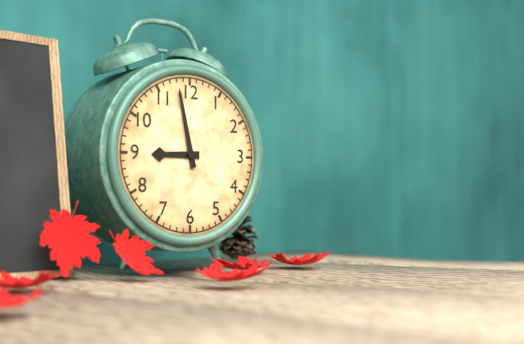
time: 8:58
